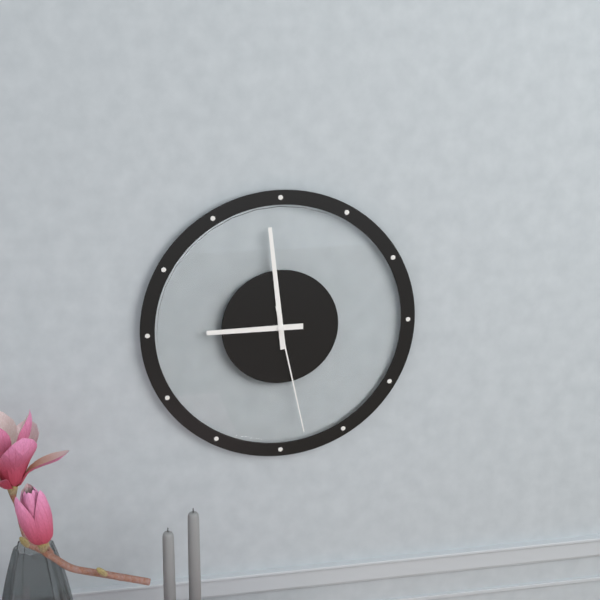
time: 8:59:28
